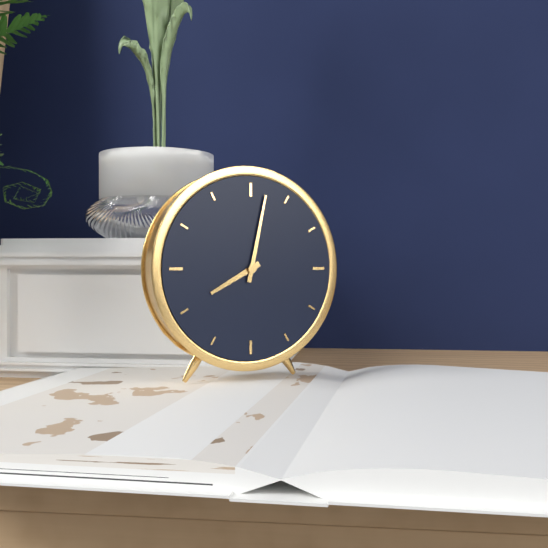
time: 8:02
